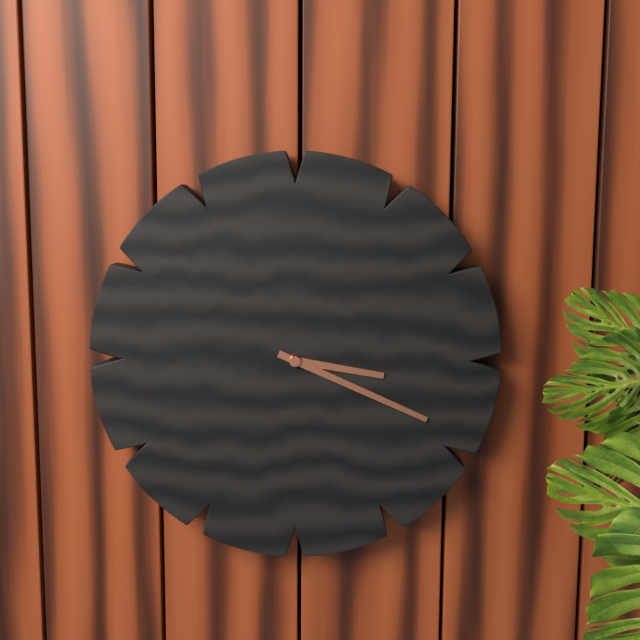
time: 3:19
